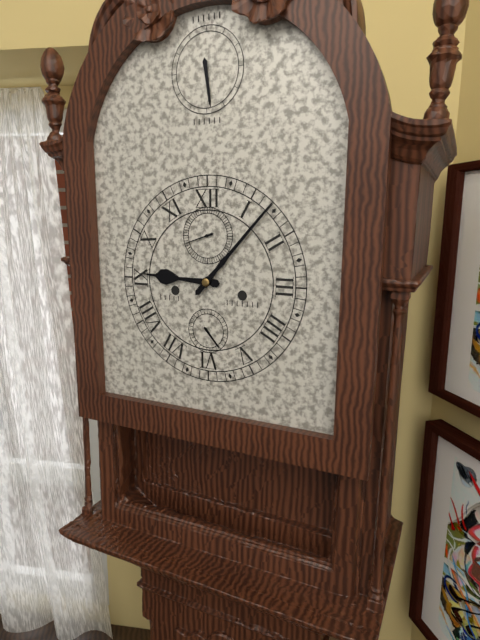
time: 9:07
